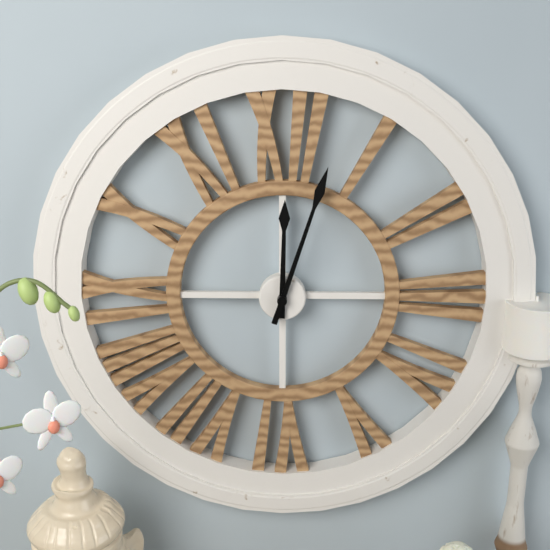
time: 12:03
